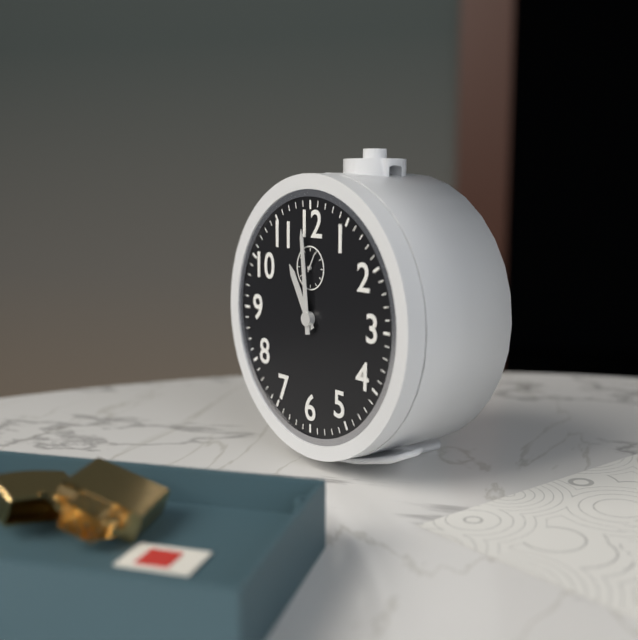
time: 10:59
